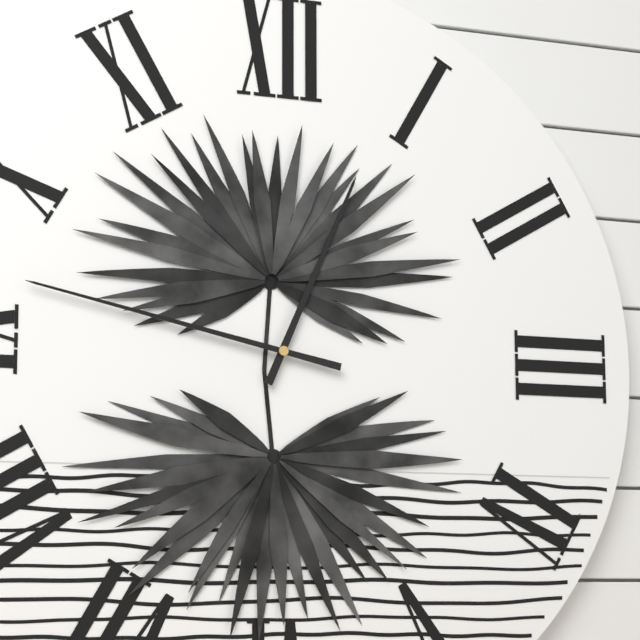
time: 12:47
